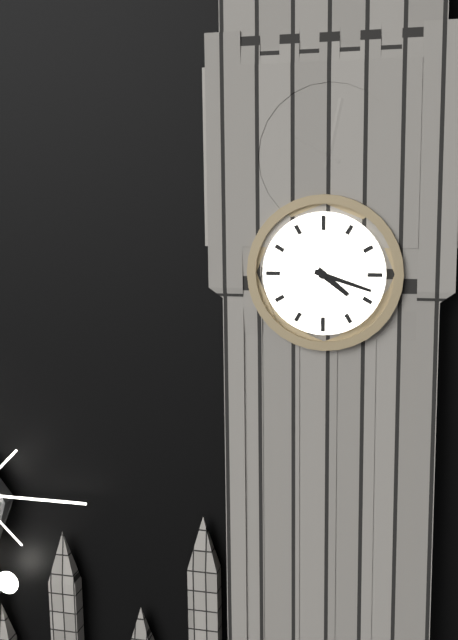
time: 4:18
